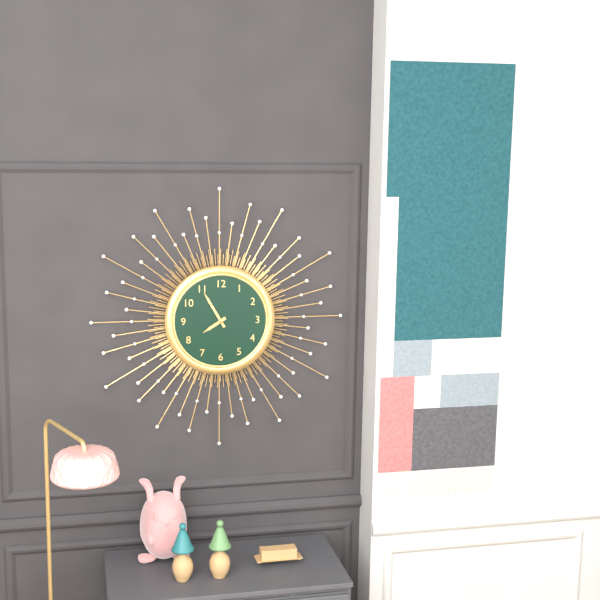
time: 7:55
